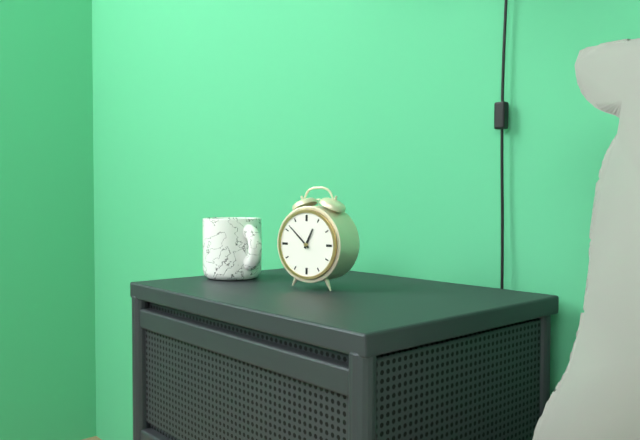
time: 12:52
